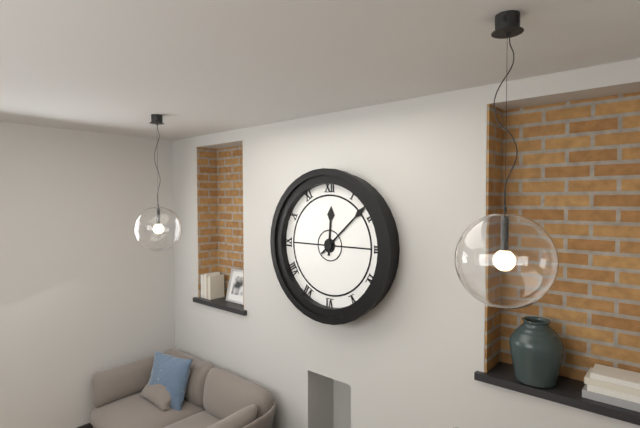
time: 12:08
